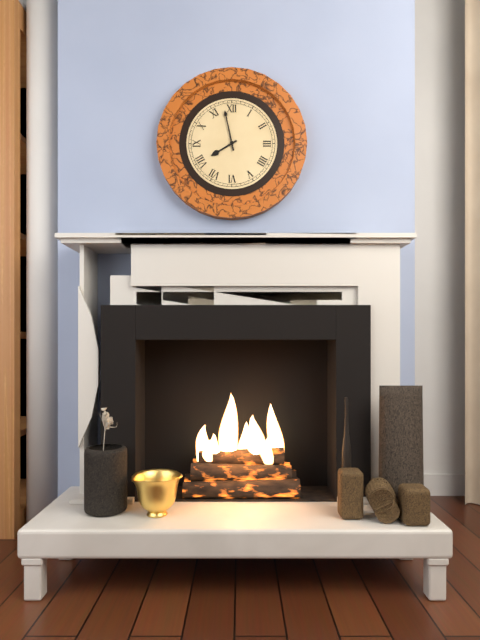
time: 7:58
